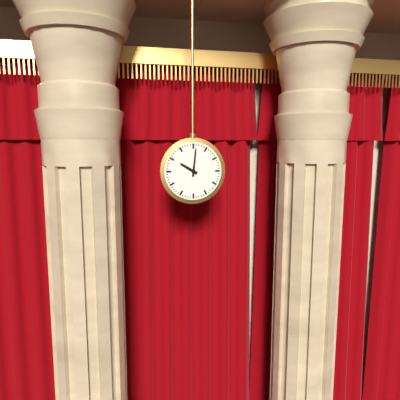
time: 10:01
